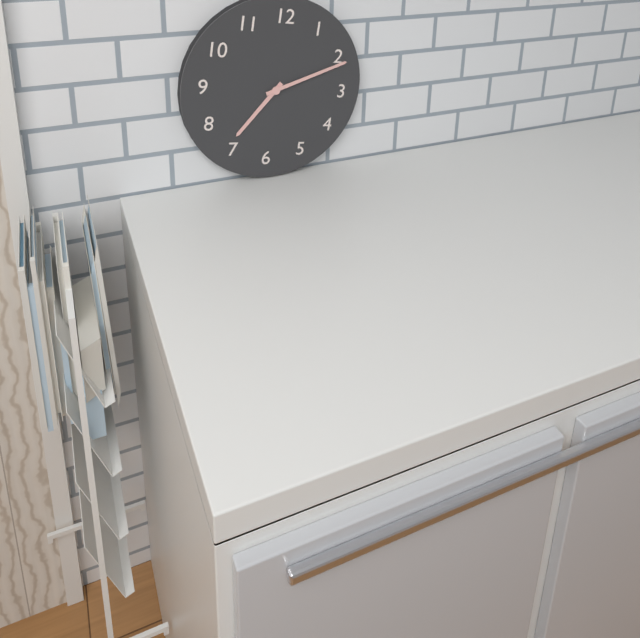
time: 7:11
